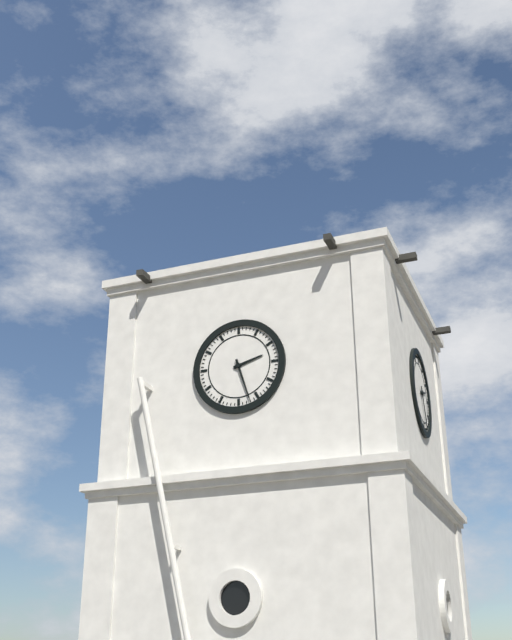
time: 2:27
